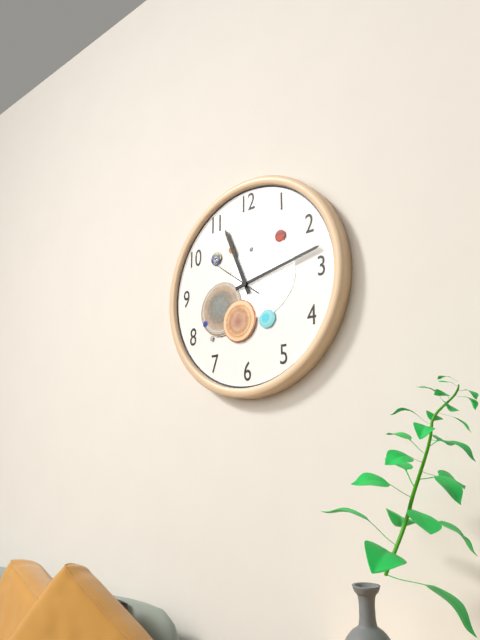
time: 11:13
